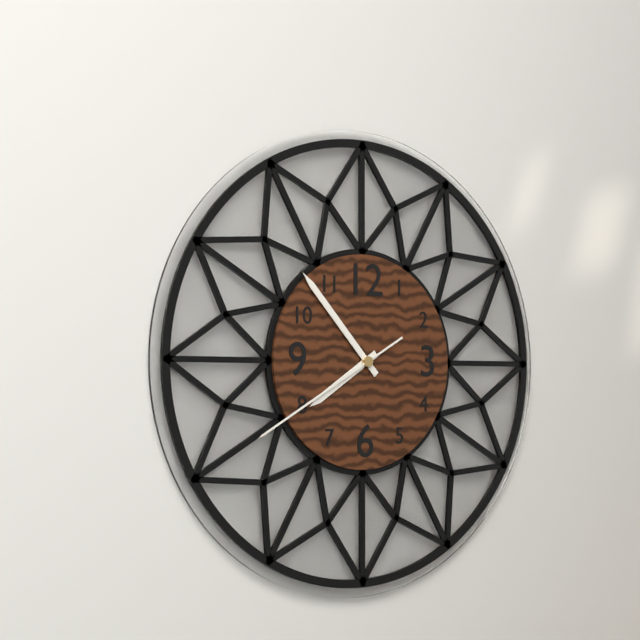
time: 7:53:40
